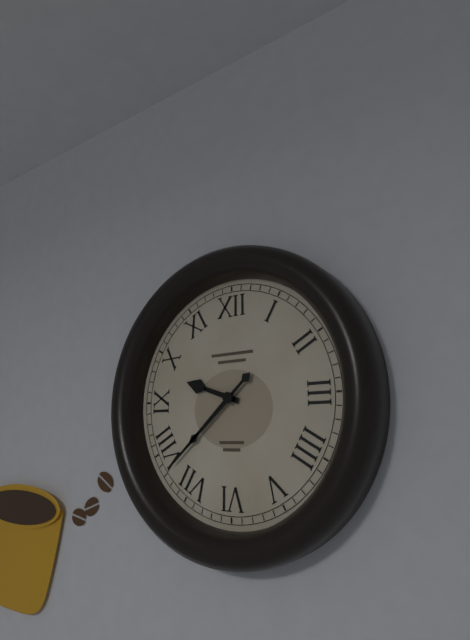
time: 9:38
